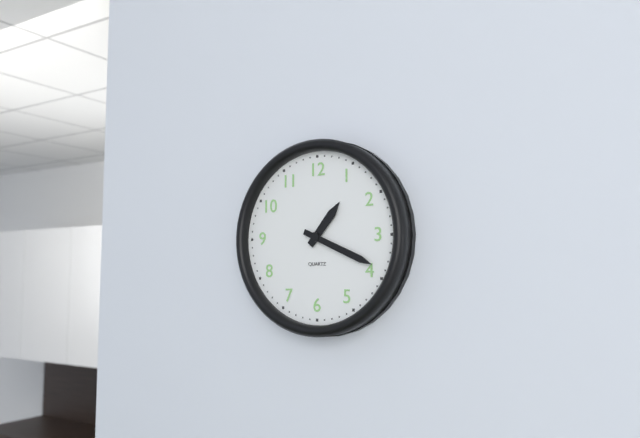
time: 1:19
